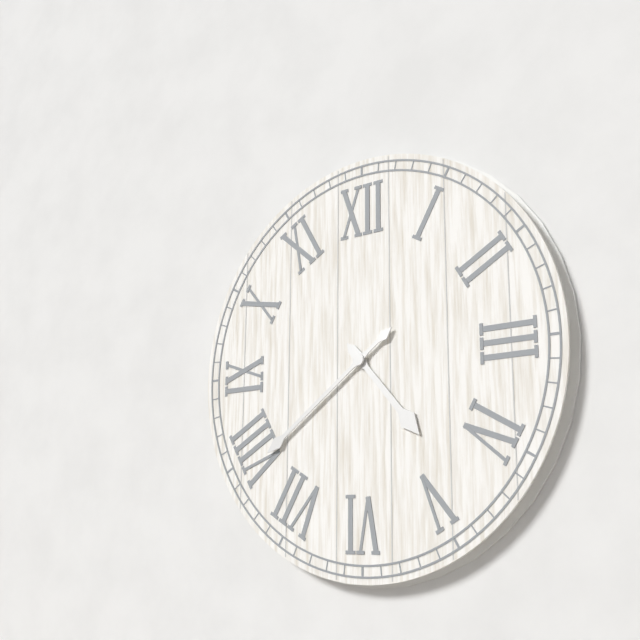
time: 4:39
